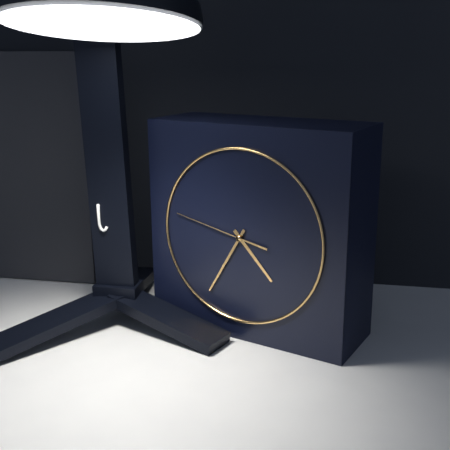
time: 4:35:47
